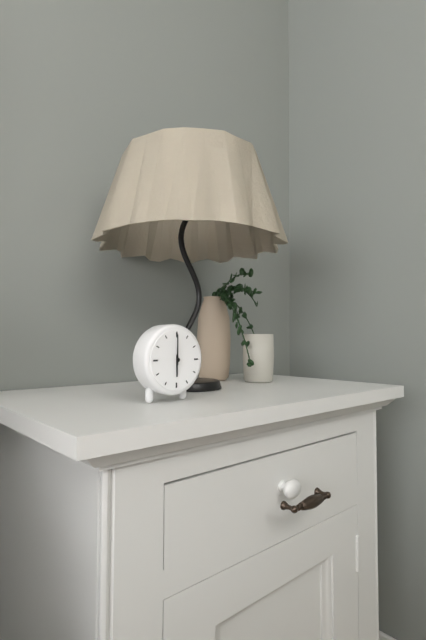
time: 6:00
